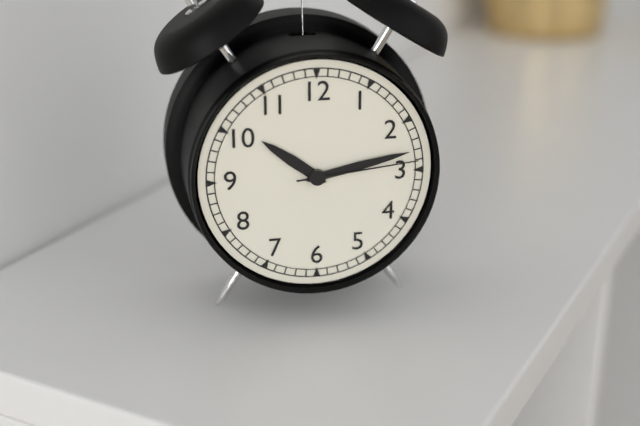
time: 10:13:14
